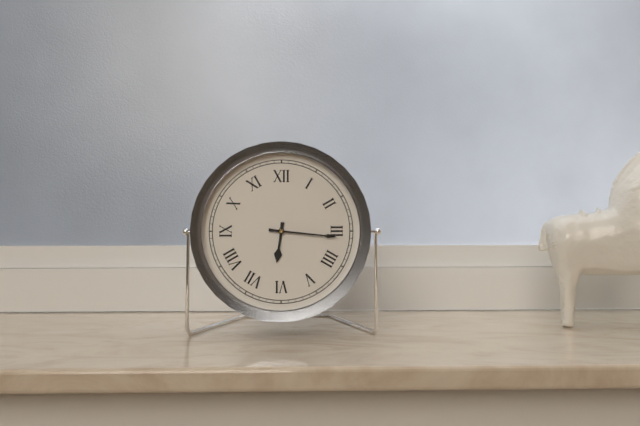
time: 6:16
